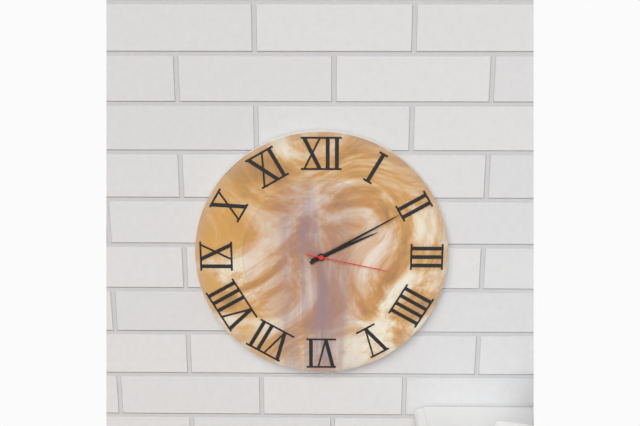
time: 2:10:17
